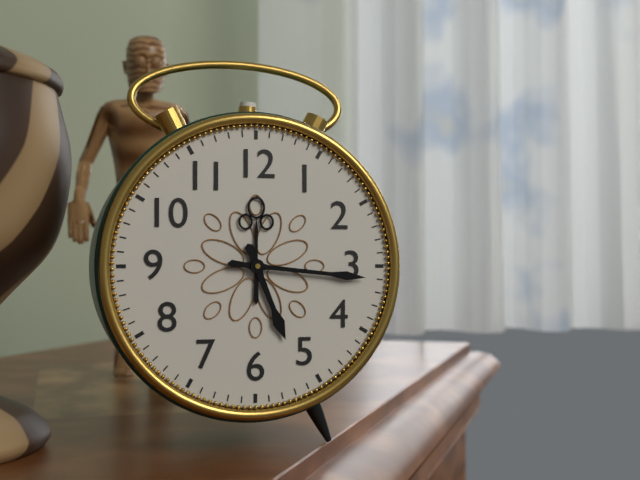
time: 5:16
